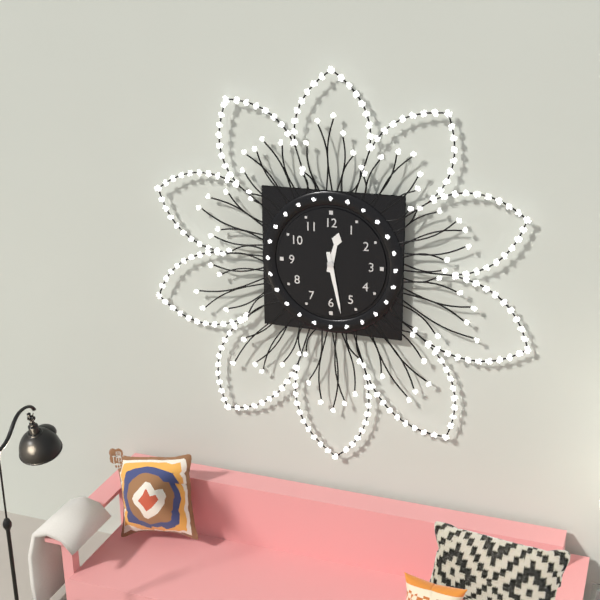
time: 12:28
